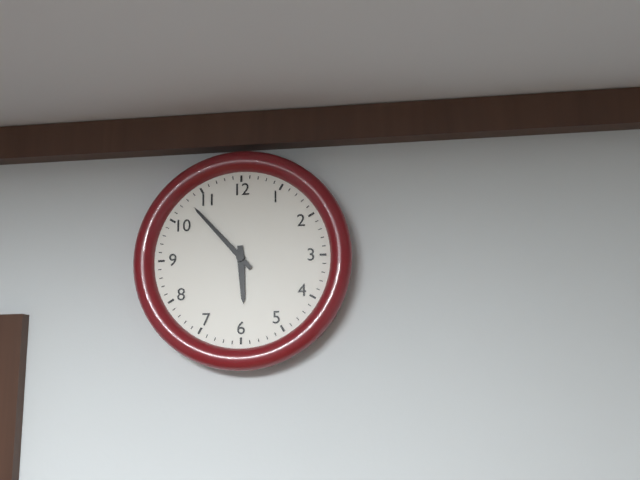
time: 5:53
